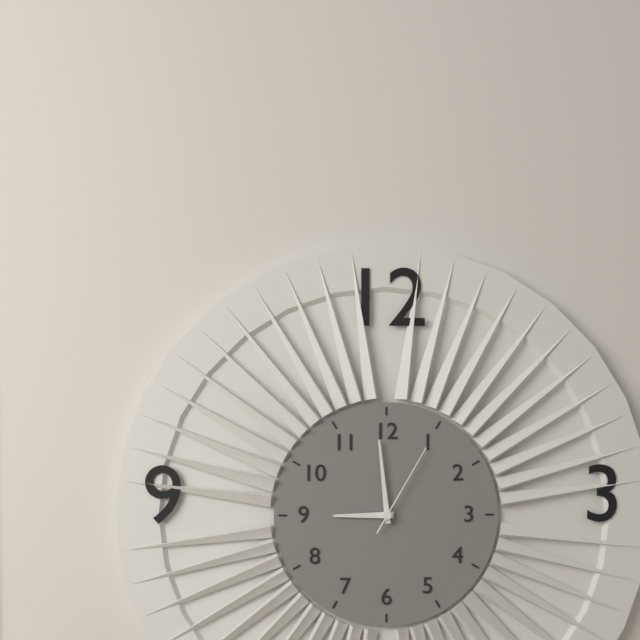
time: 8:59:05
